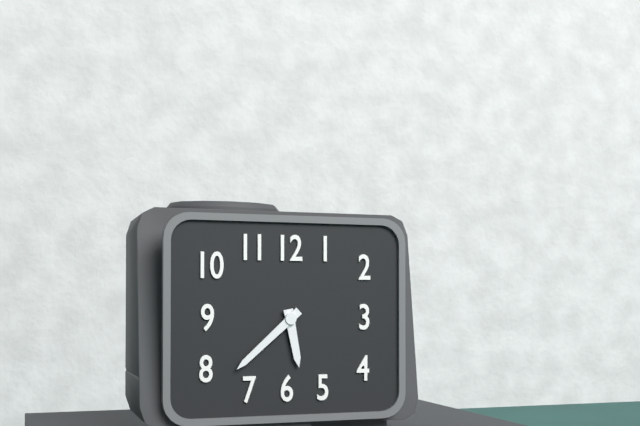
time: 5:38
